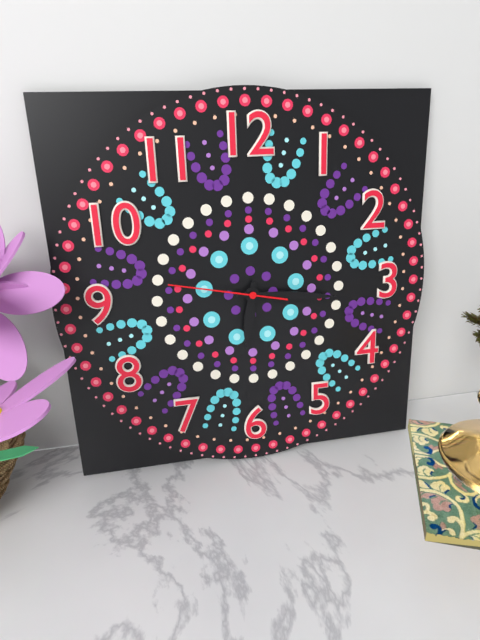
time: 6:16:47
